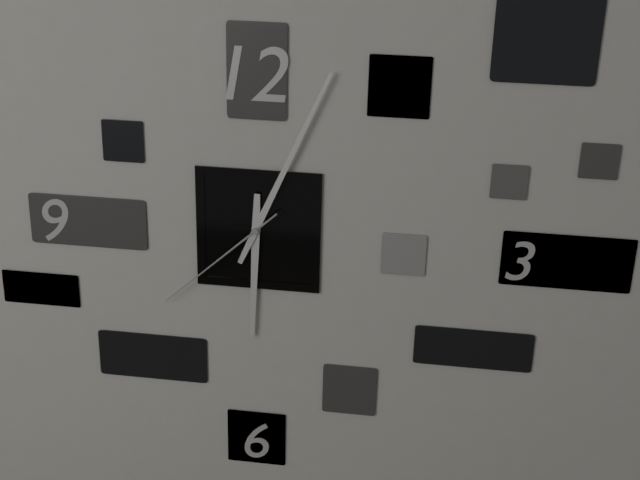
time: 6:04:38
